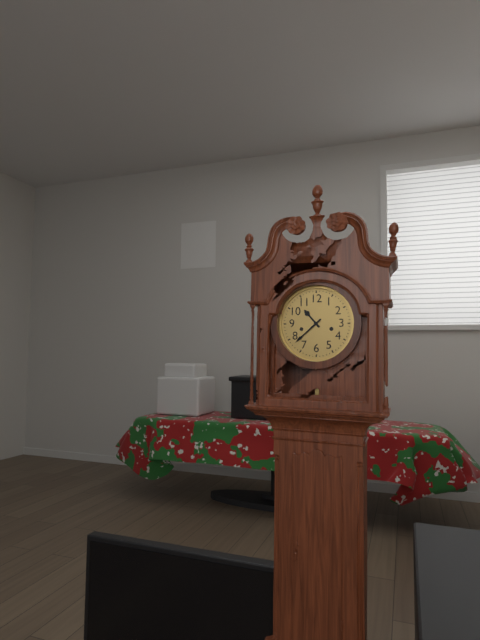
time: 10:38
